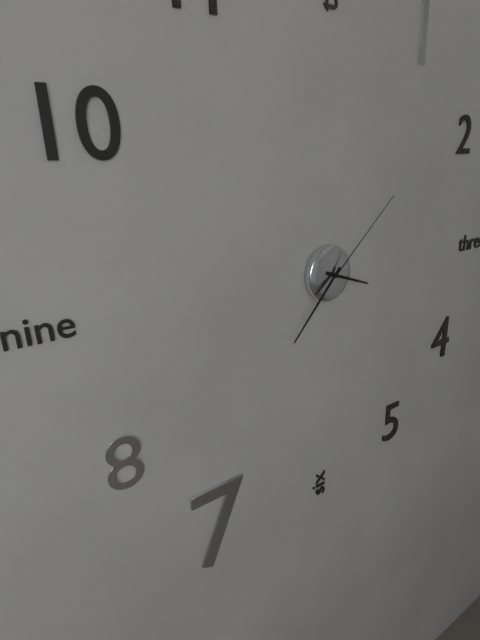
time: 3:37:08
